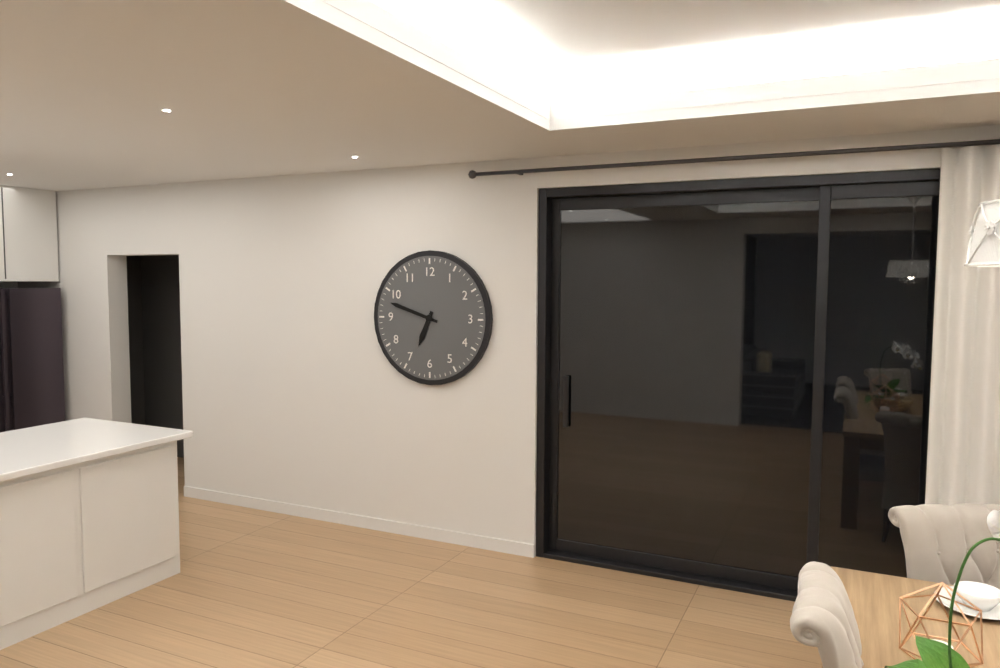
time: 6:48
